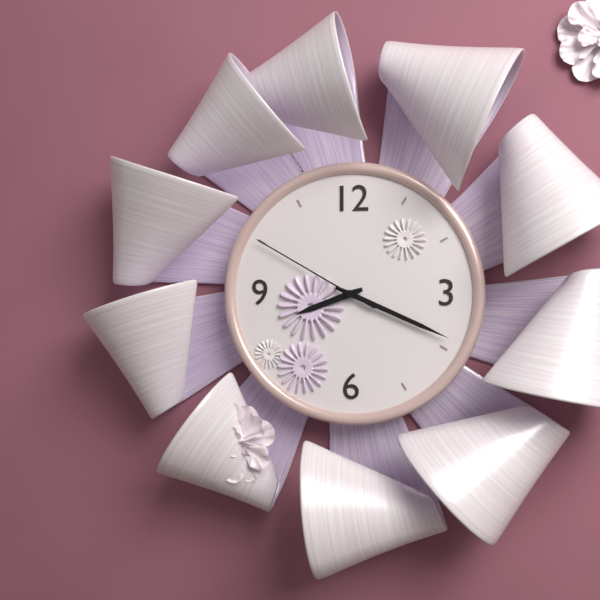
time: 8:19:50
